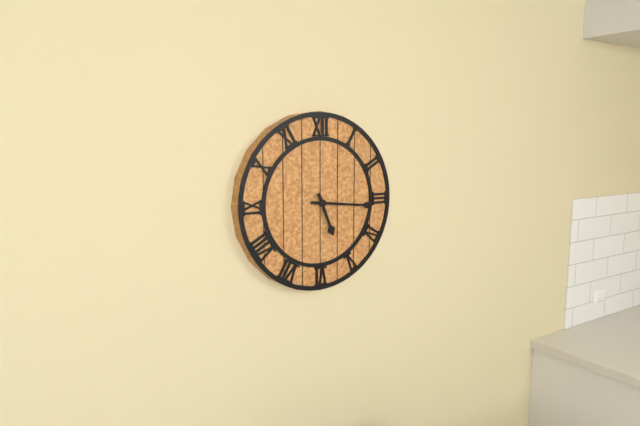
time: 5:16
